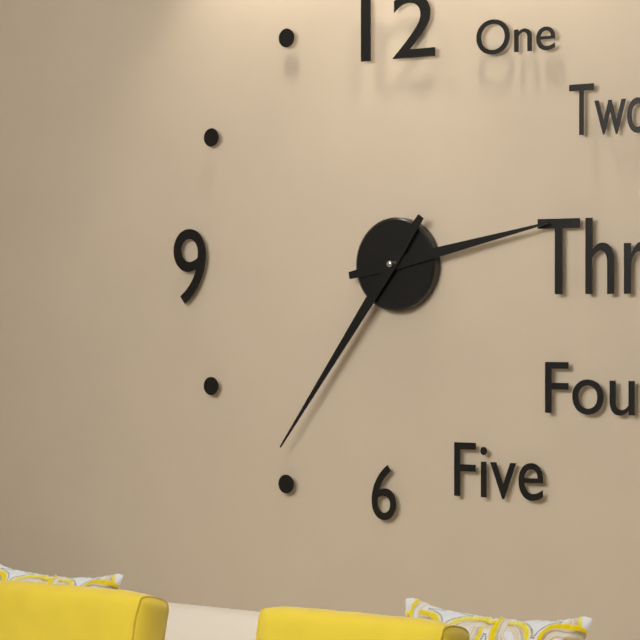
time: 2:36
